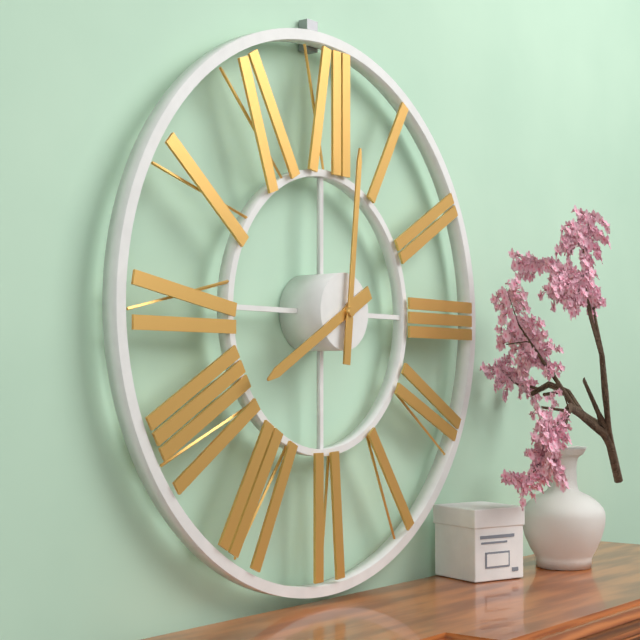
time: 8:01
